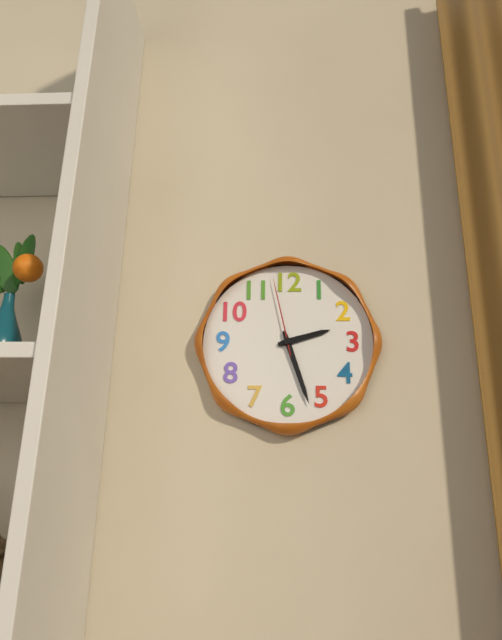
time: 2:27:58
